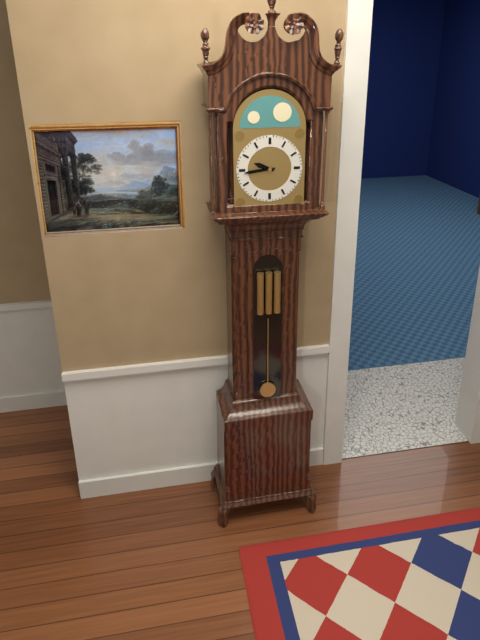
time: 9:44
